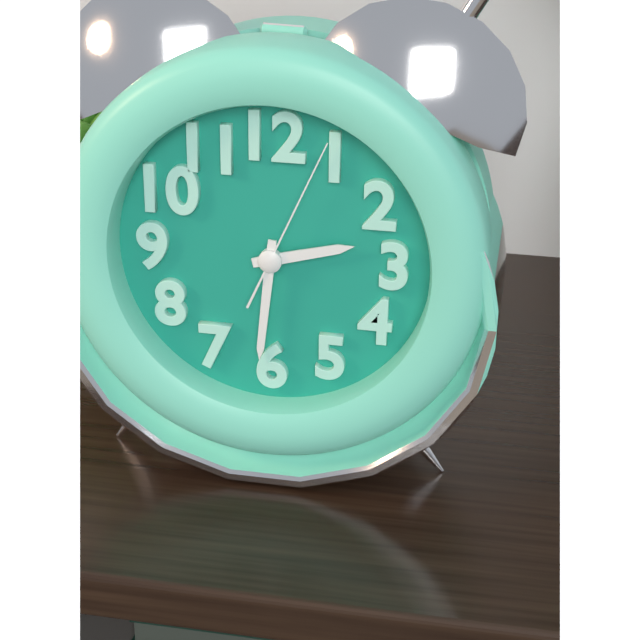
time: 2:31:04
